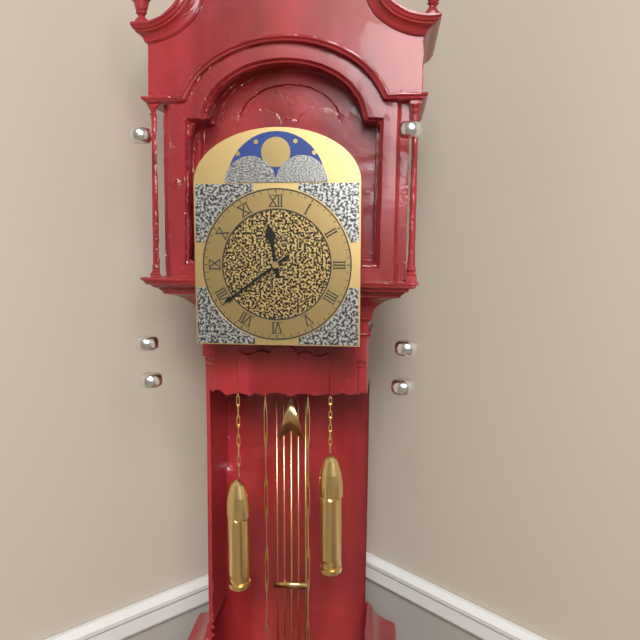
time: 11:39
